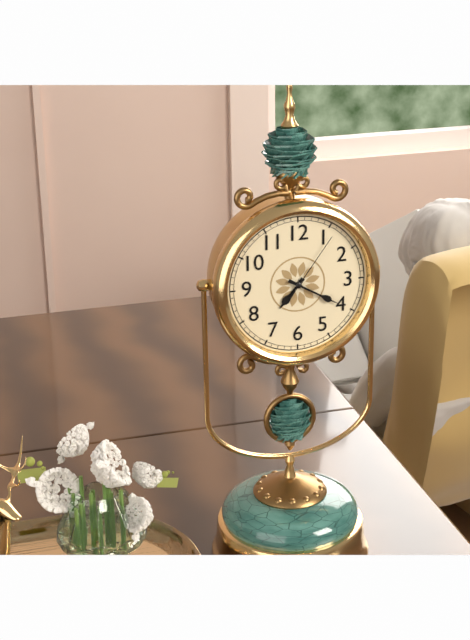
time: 7:20:06
